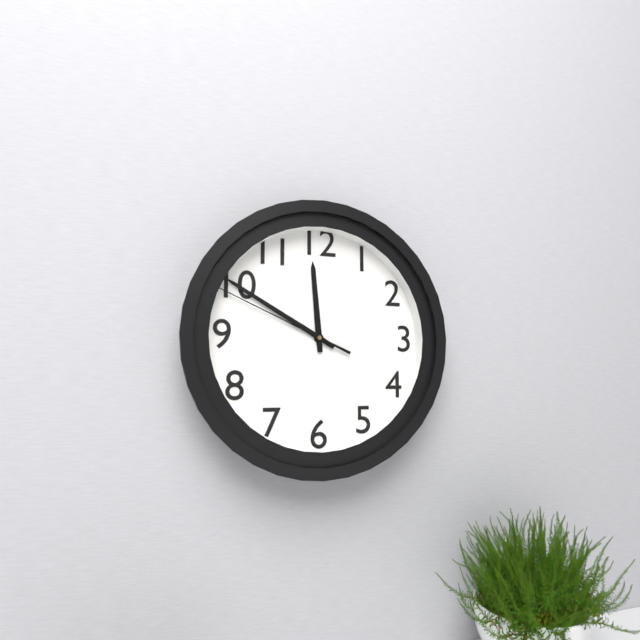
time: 11:50:49
